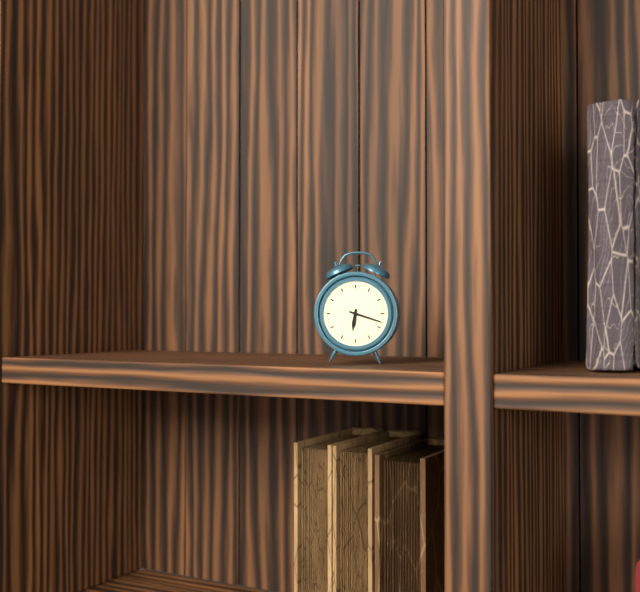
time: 6:18
